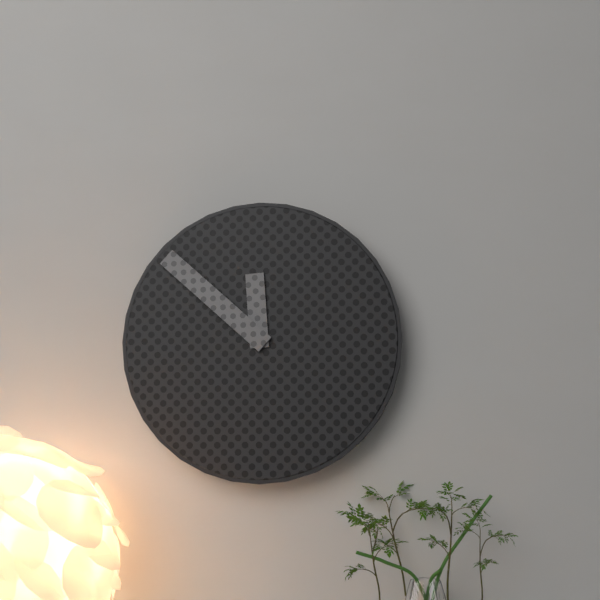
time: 11:52
